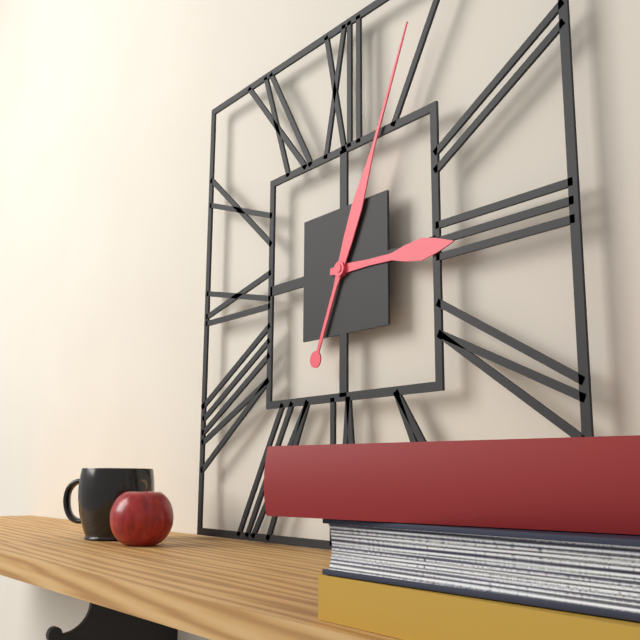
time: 3:04
